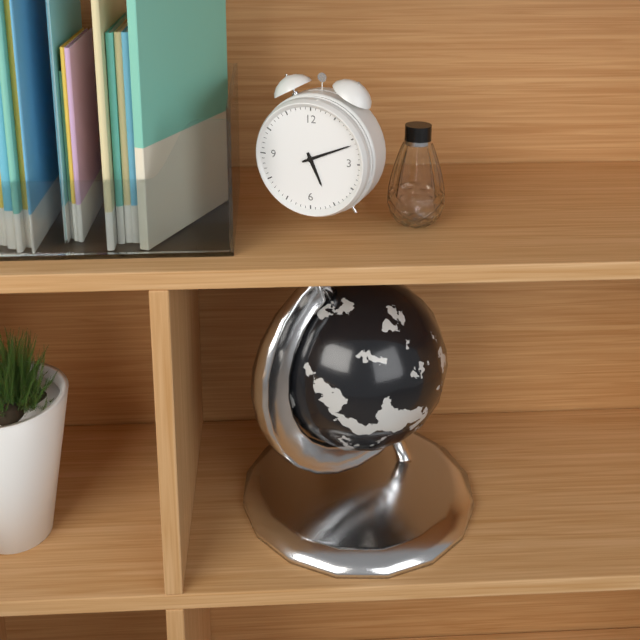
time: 5:11
